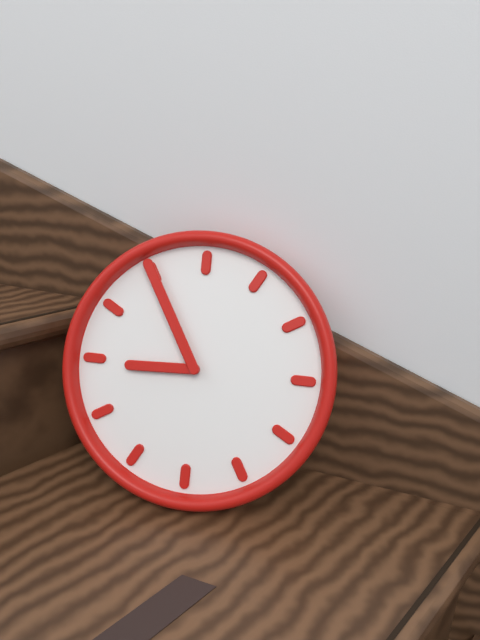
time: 8:55
